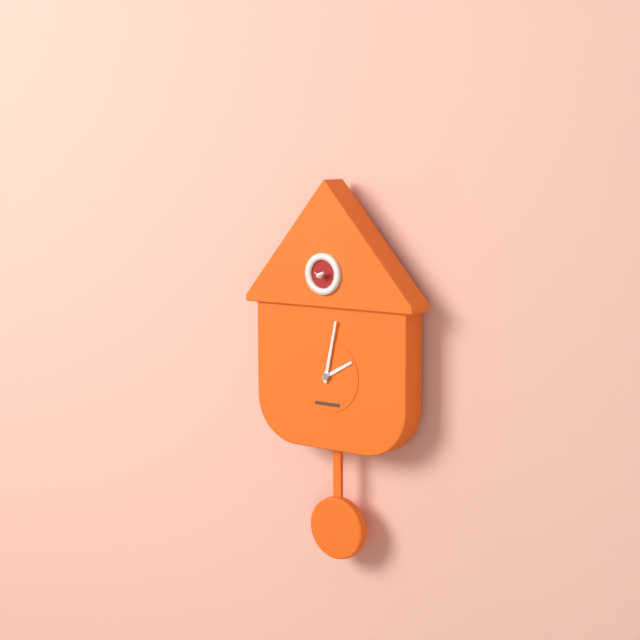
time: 2:02
